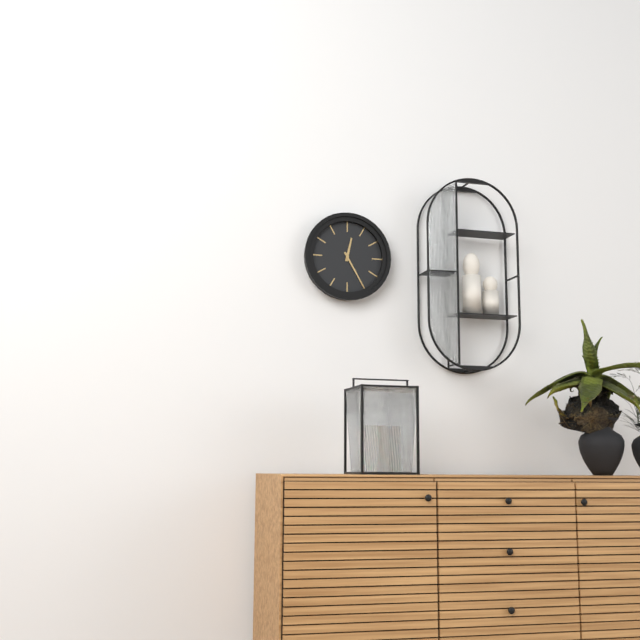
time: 12:25
